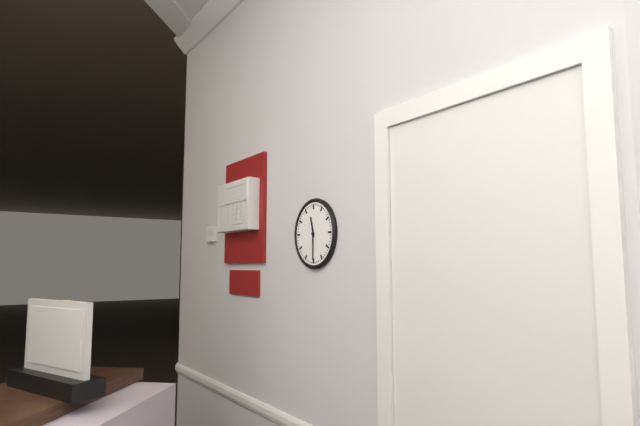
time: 11:30
